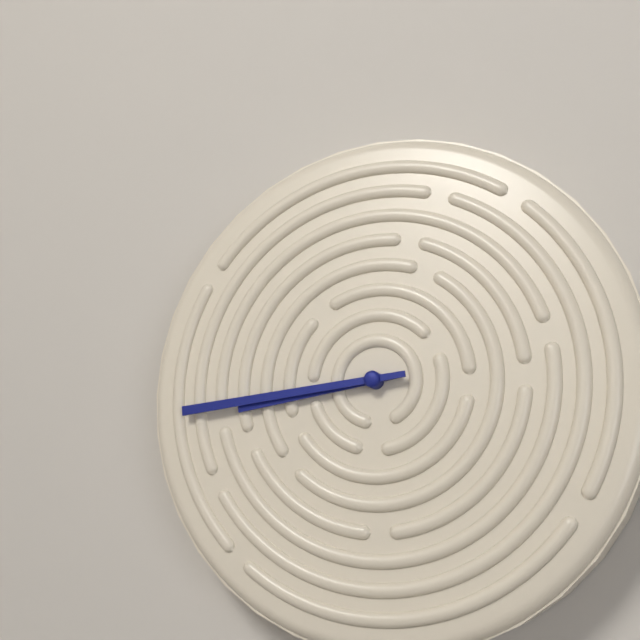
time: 8:44
